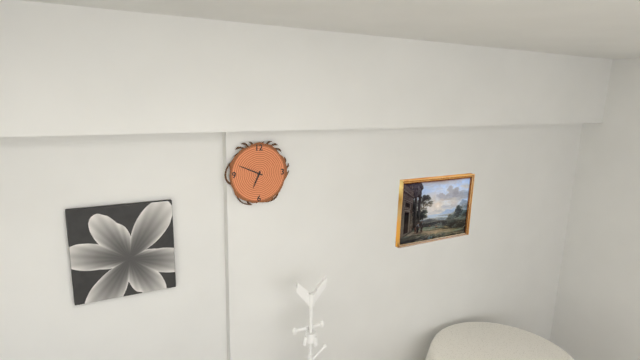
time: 6:49
